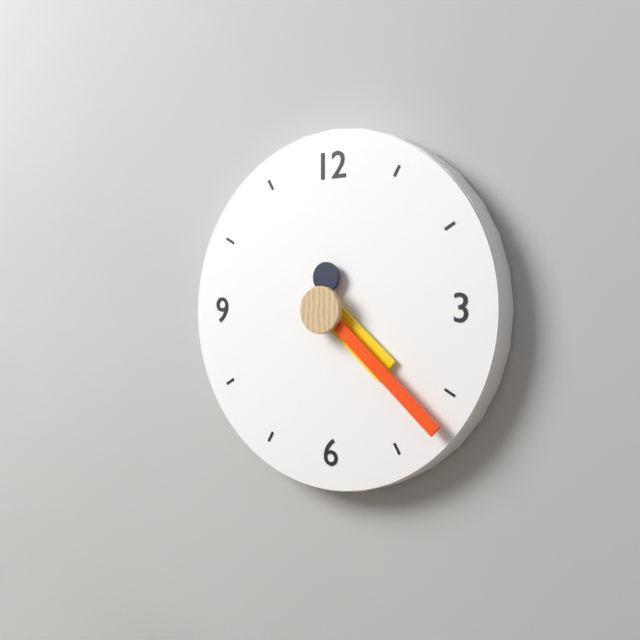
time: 4:22
